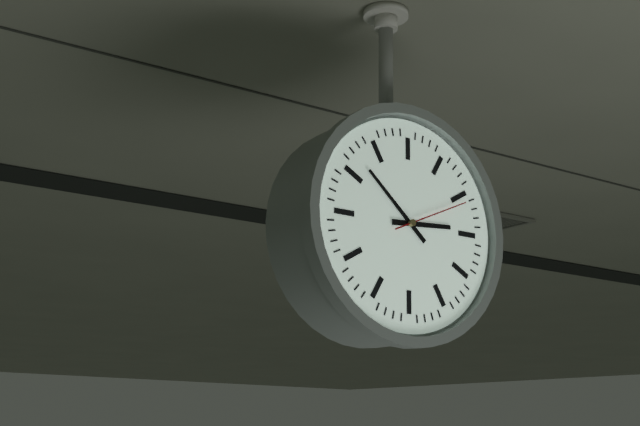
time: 2:52:11
